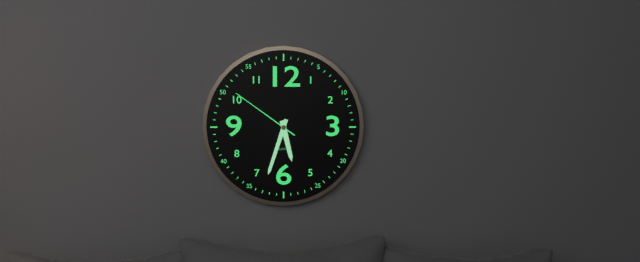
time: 5:33:51
